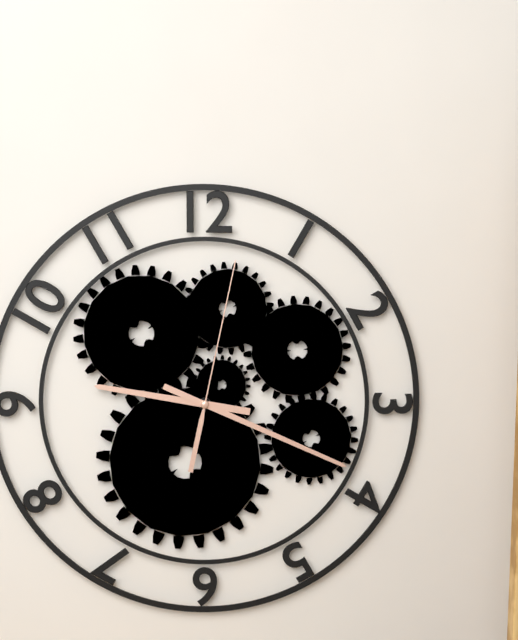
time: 9:19:02
